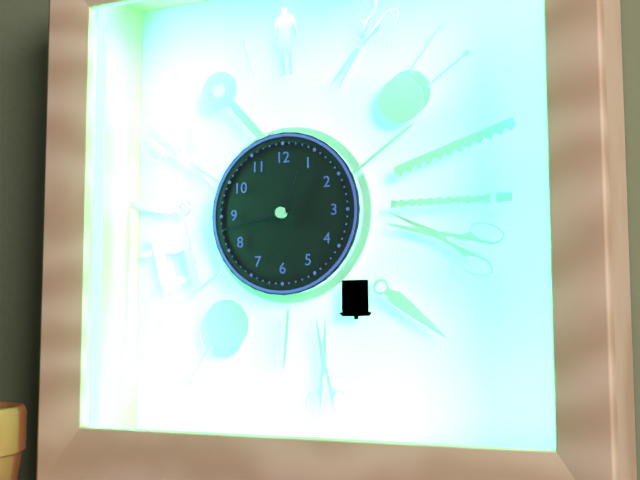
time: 12:43
